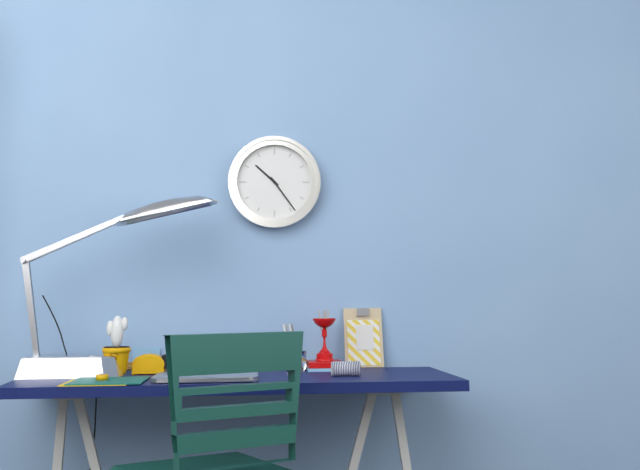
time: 10:24
